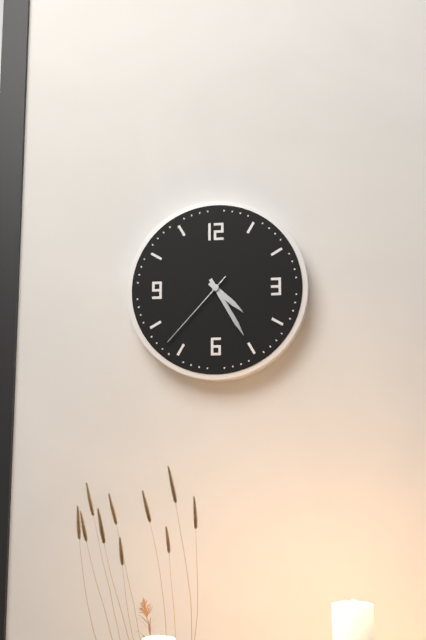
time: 4:25:37
